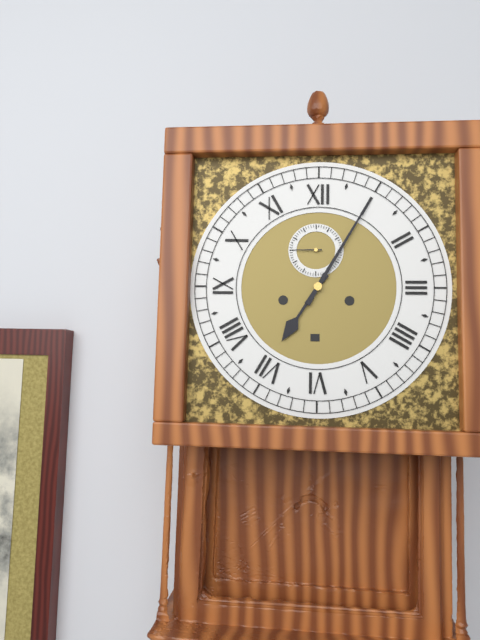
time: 7:05
